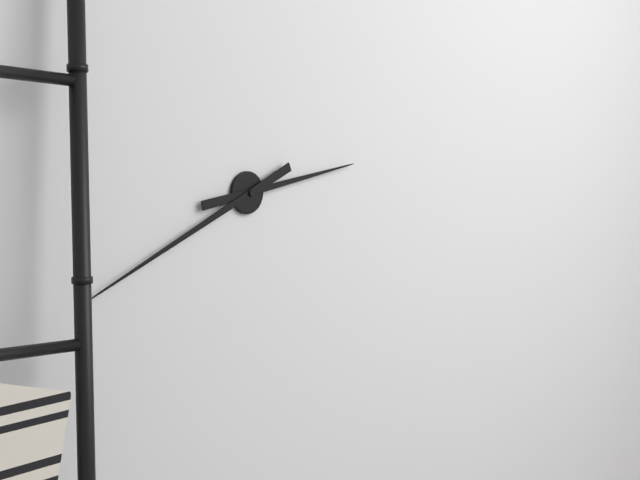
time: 2:41
